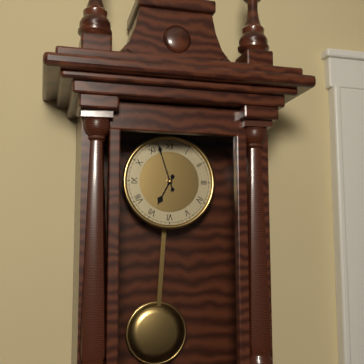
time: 6:57
